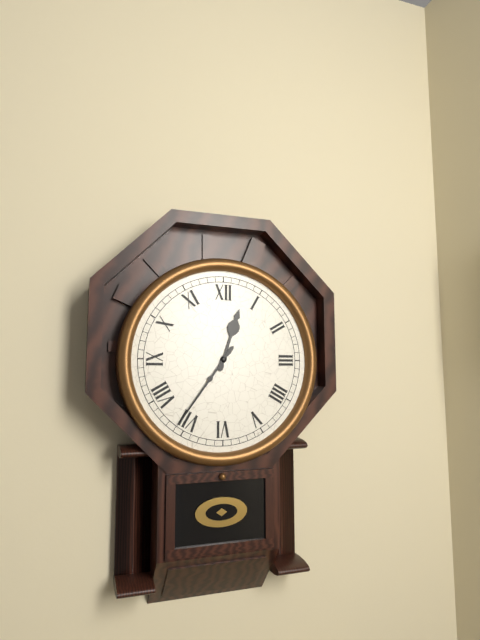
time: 12:36
